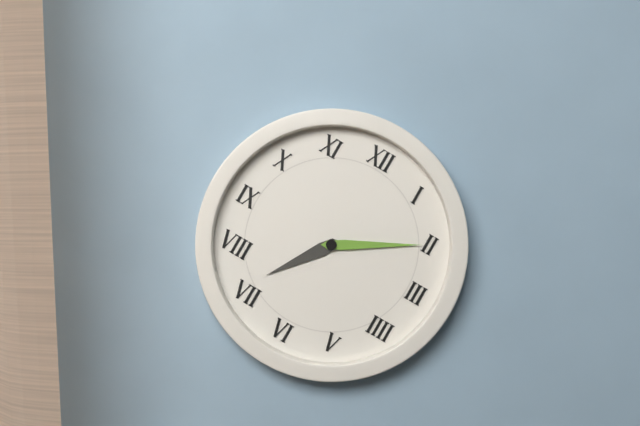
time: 7:10
